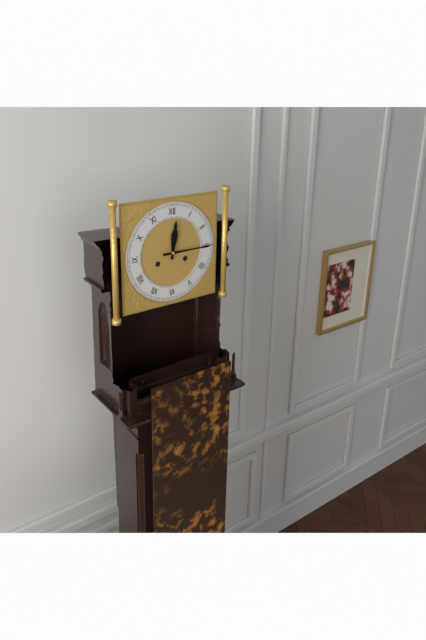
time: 12:15
